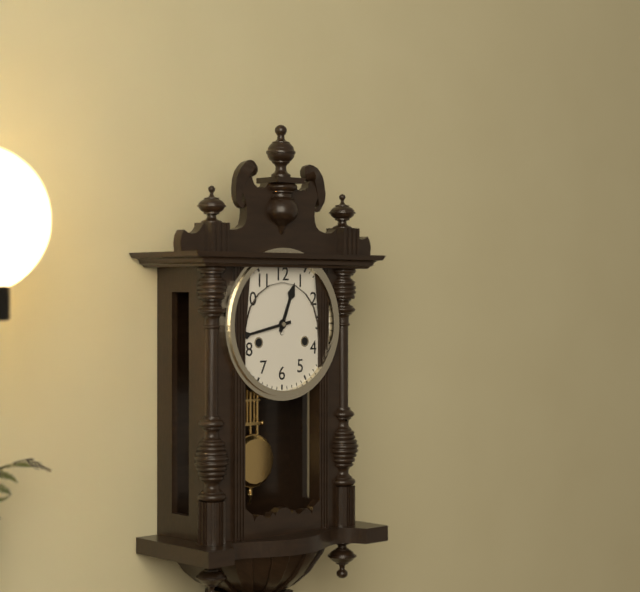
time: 12:43
